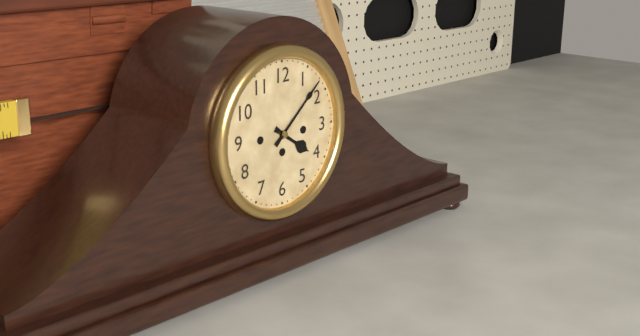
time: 4:08
